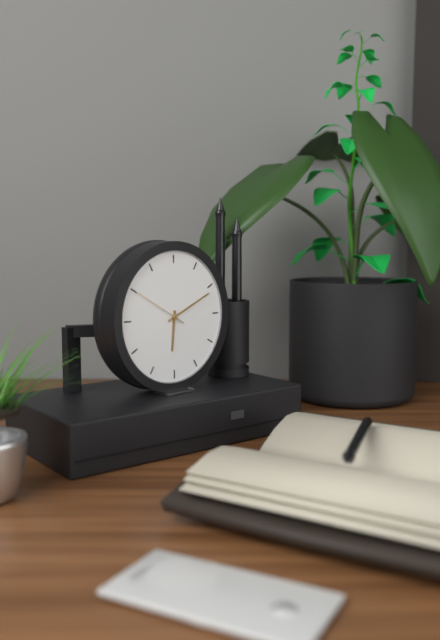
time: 6:11:50
